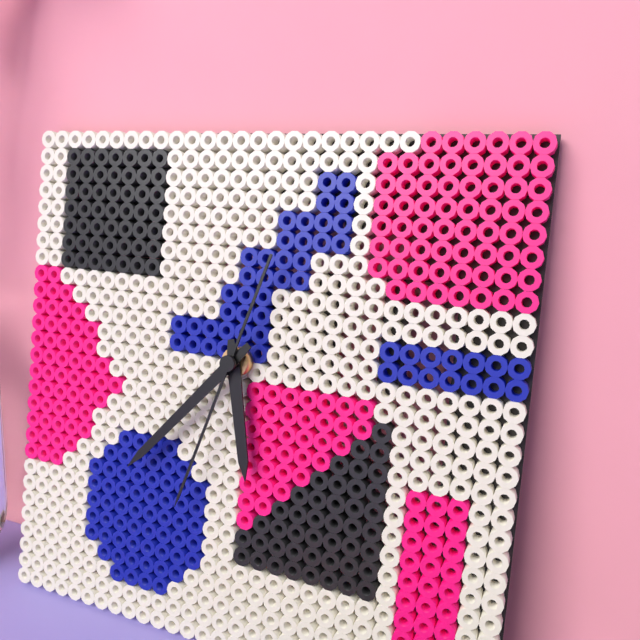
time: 5:37:33
